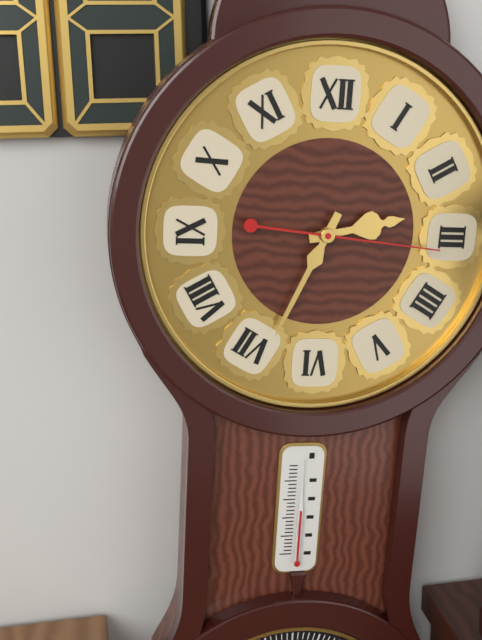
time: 2:34:16
